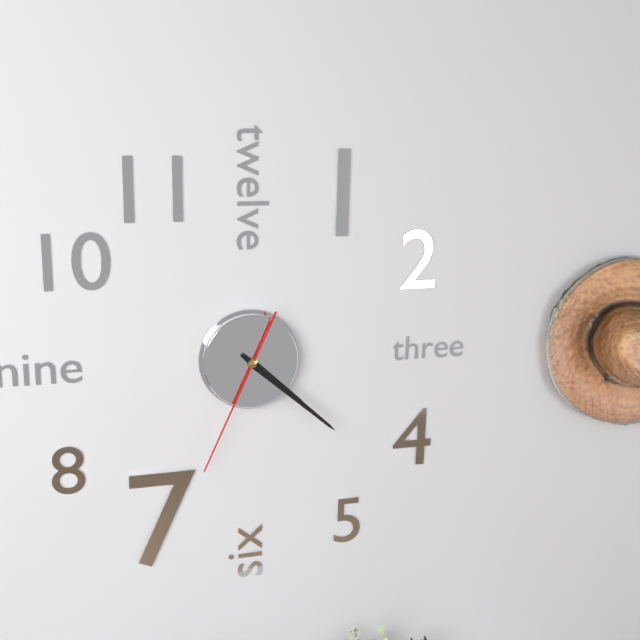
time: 4:22:34
